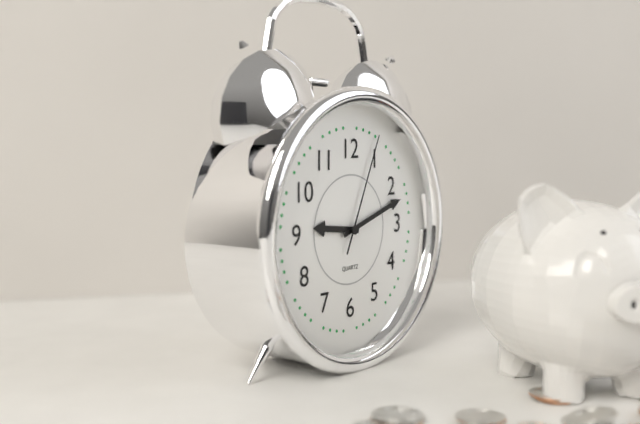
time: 9:12:04
